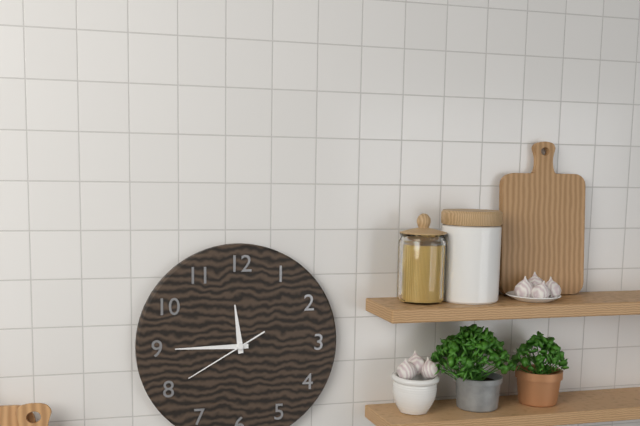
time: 11:45:40
